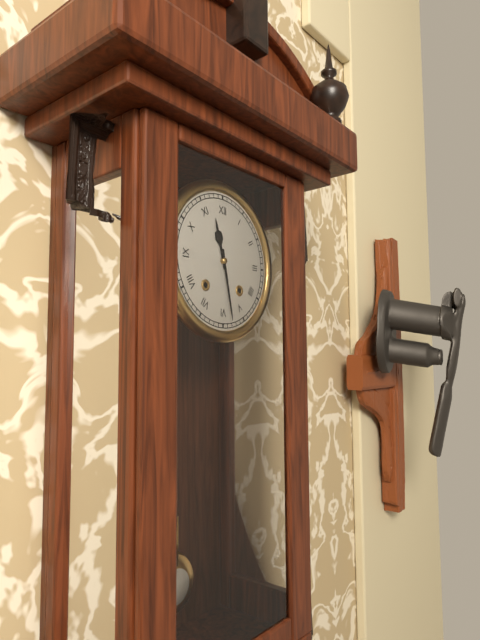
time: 11:28
